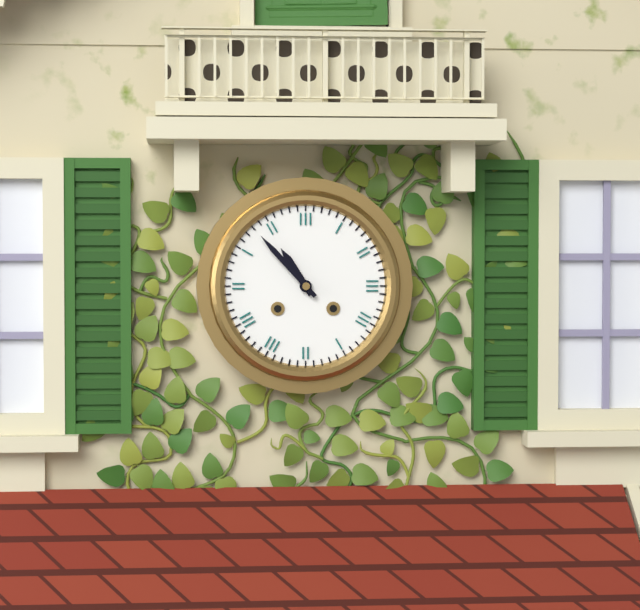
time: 10:53
